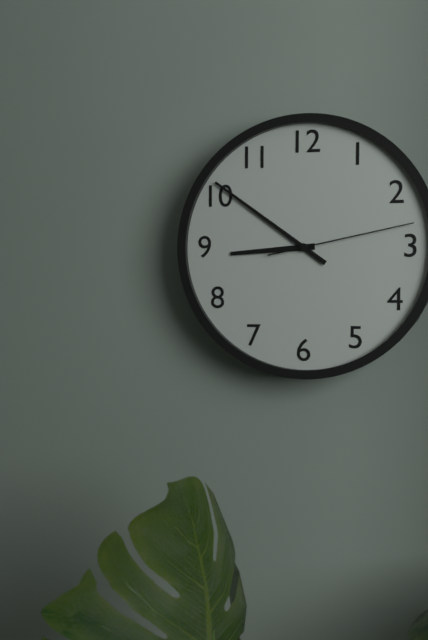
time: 8:51:13
